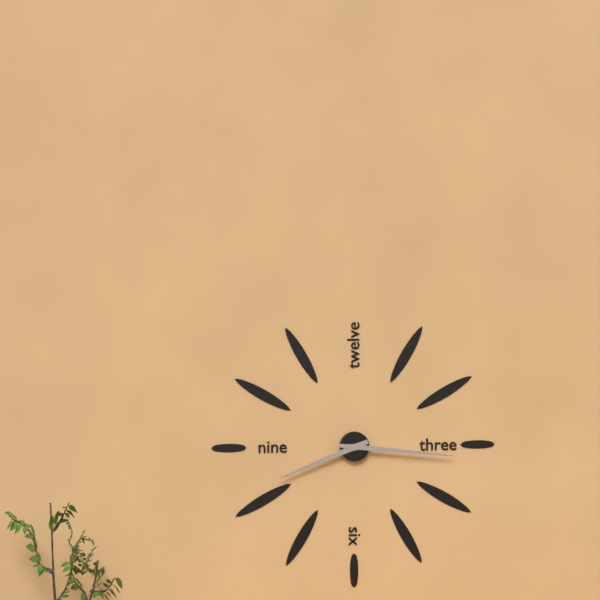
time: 8:16
